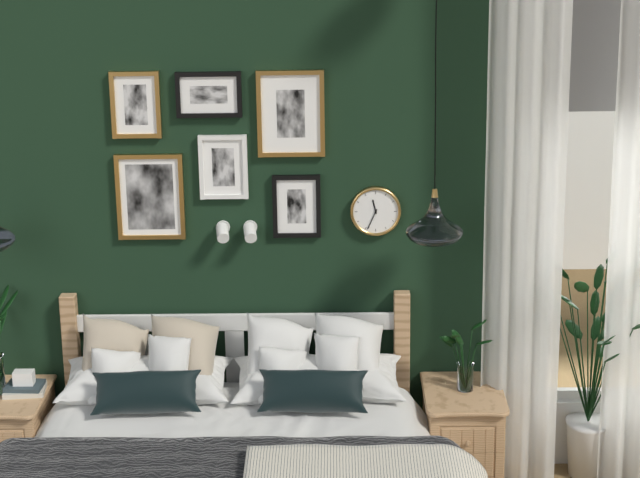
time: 11:34
